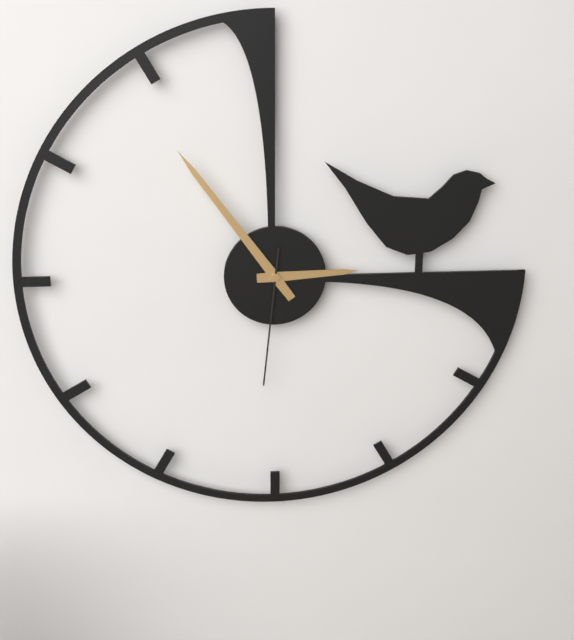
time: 2:54:31
